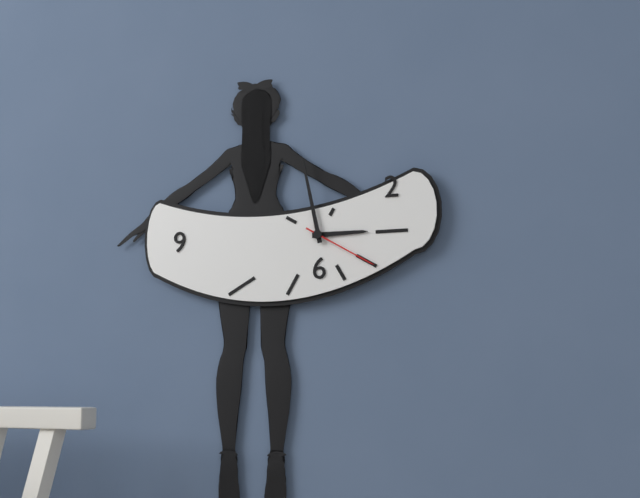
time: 2:58:20
